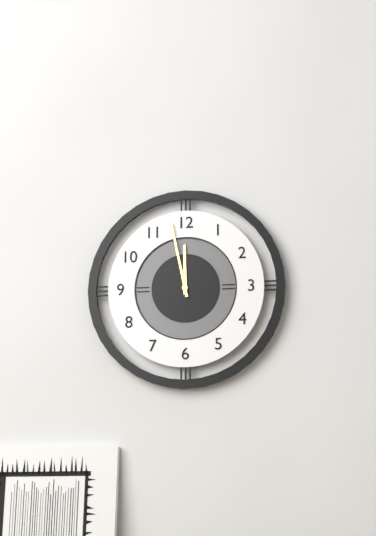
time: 11:58
